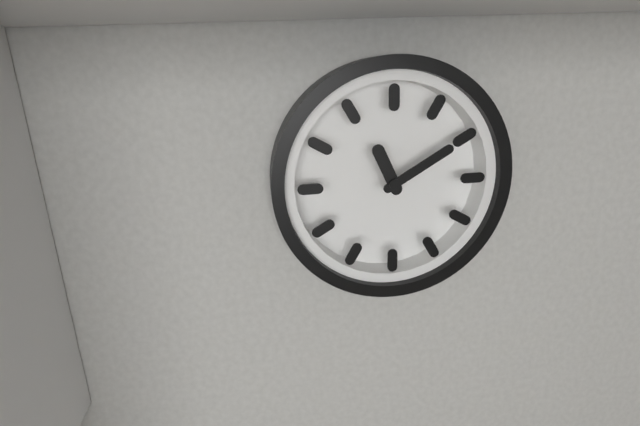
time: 11:10
